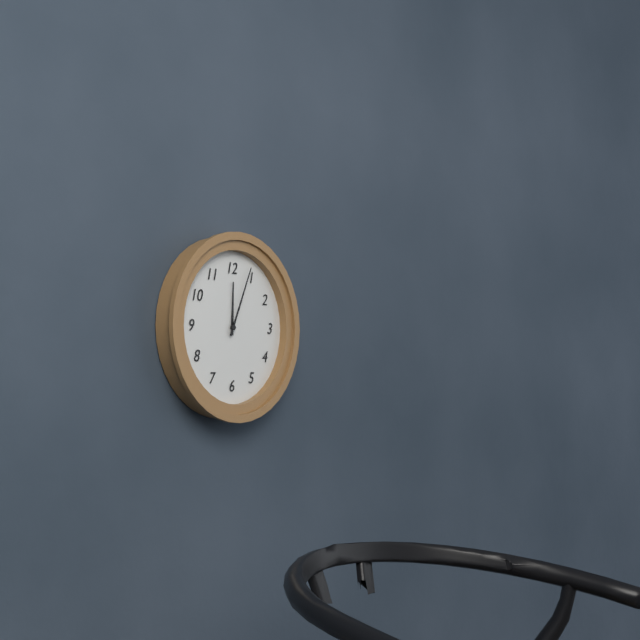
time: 12:04
